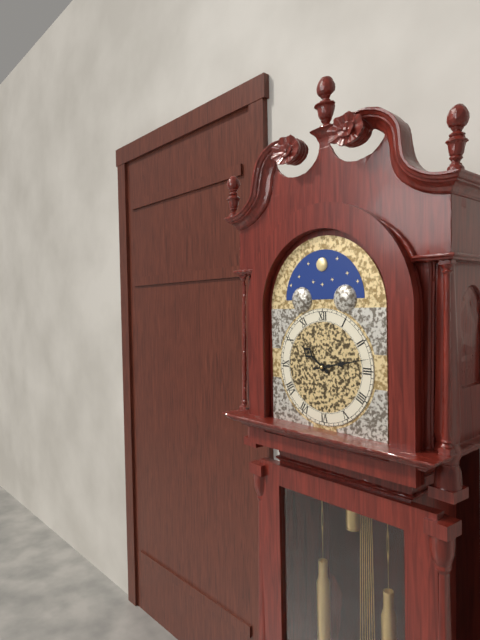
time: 10:13
